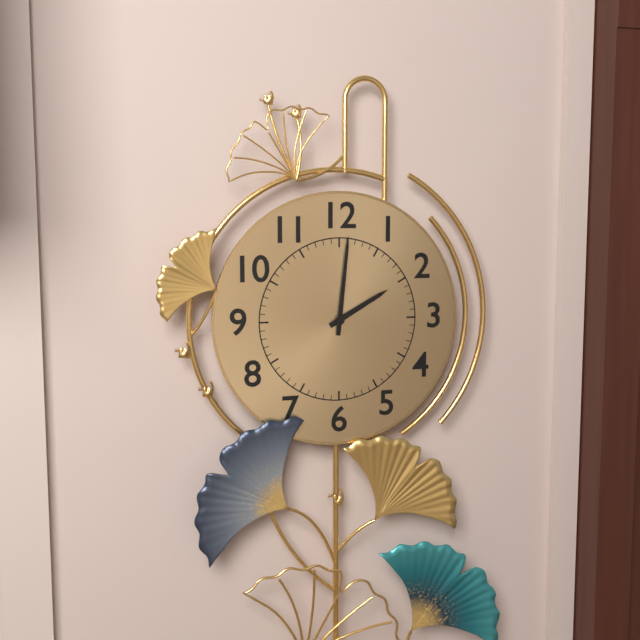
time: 2:01
